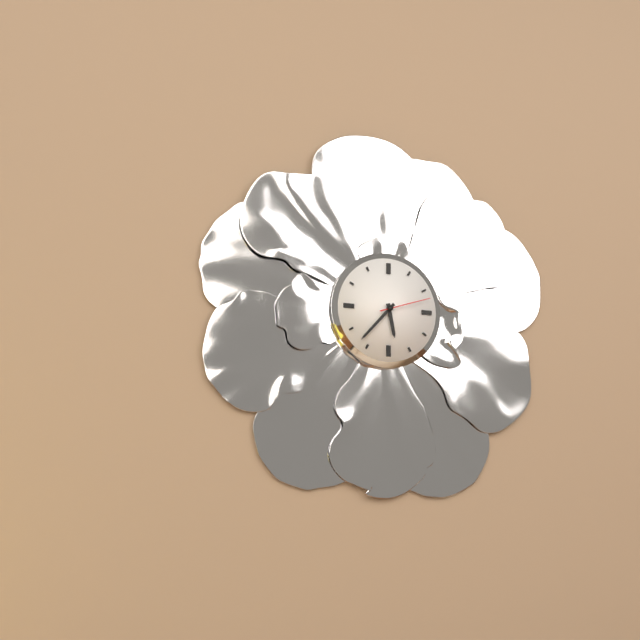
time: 5:37:12
